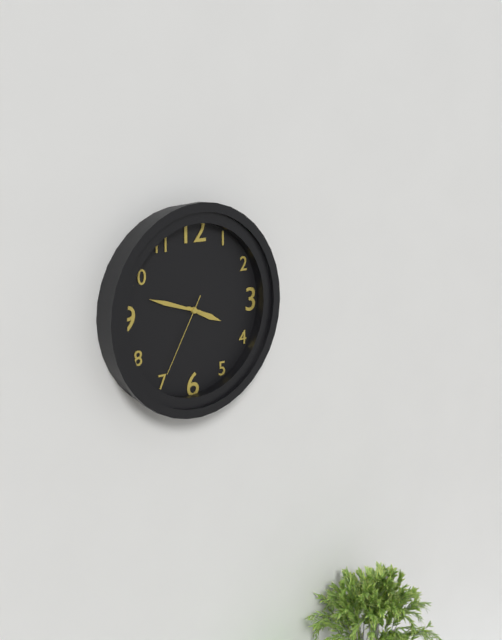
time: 3:48:35
